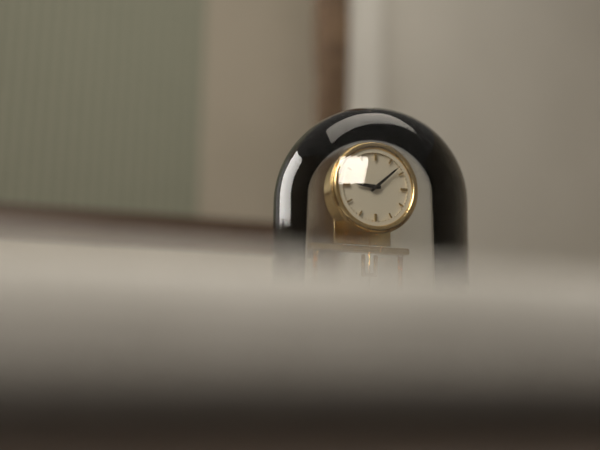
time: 9:08
